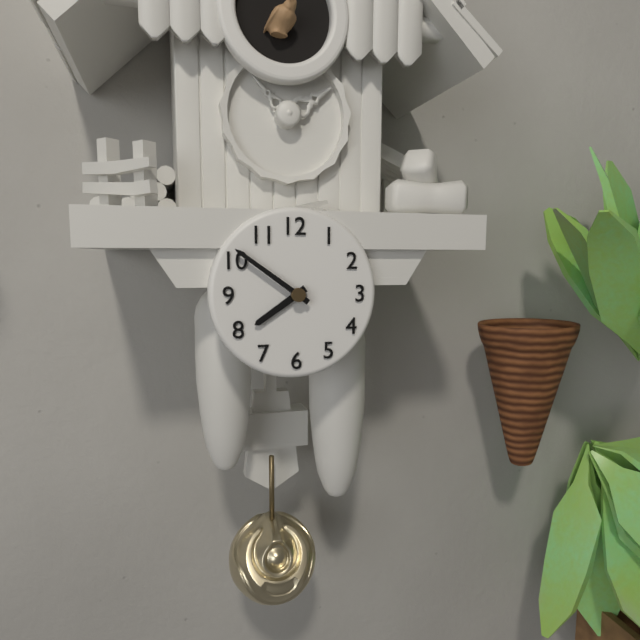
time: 7:51
